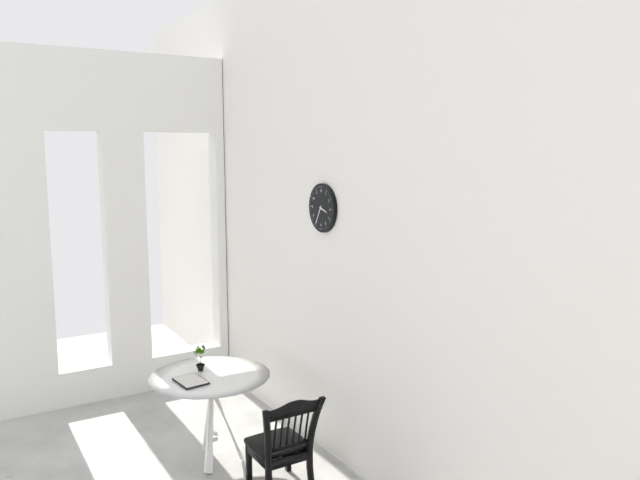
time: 3:35
